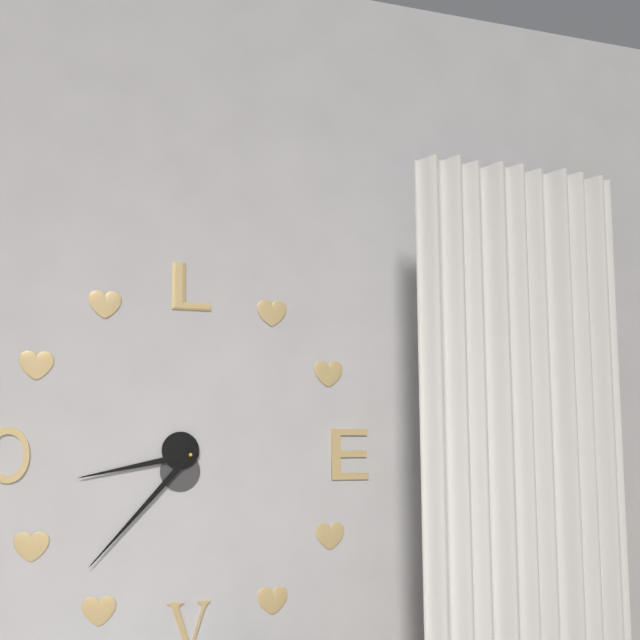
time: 8:37
